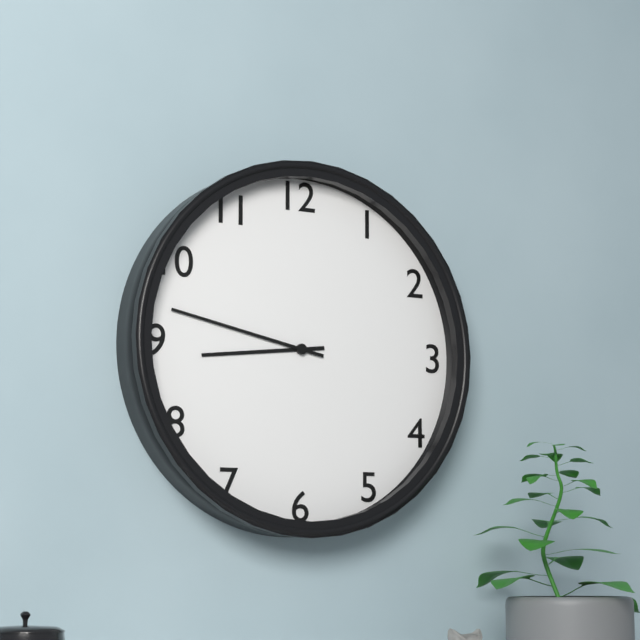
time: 8:47
